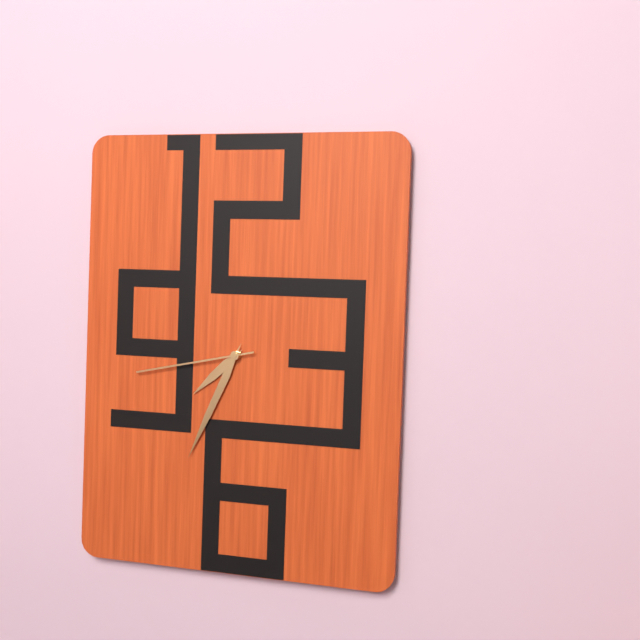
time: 7:34:43
